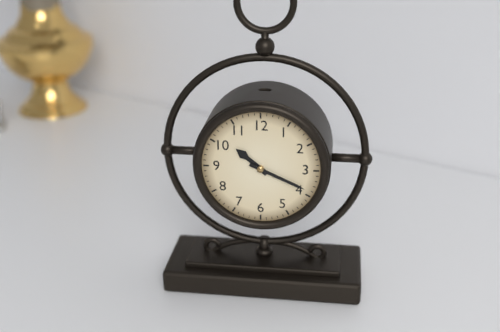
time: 10:19
